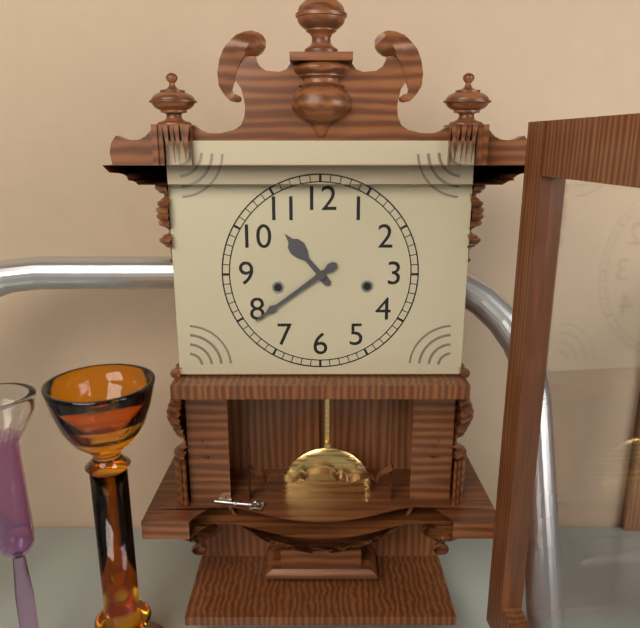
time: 10:39
